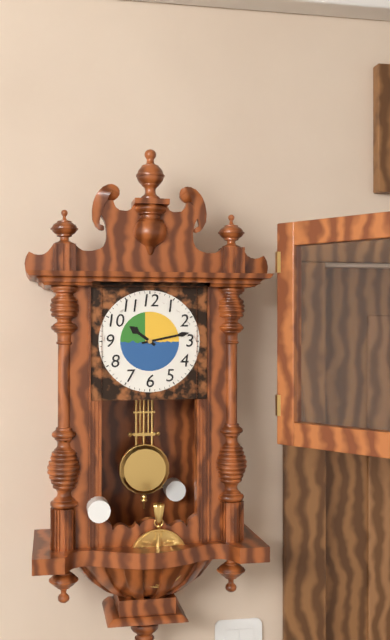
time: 10:13
